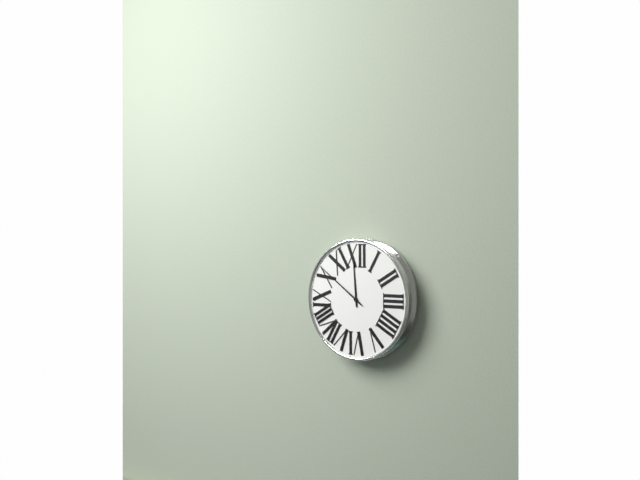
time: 11:51
